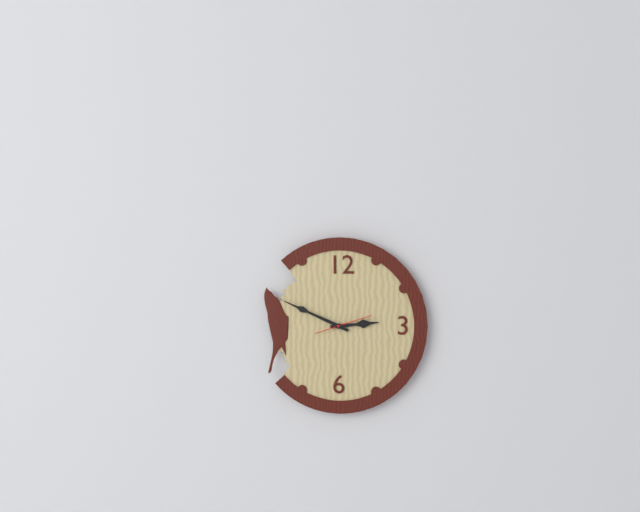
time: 2:49
